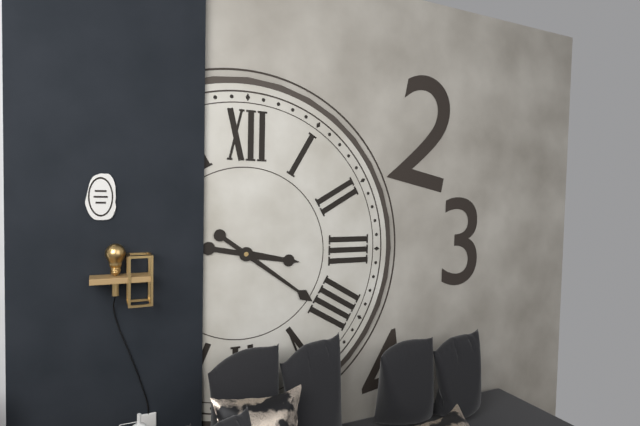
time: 3:21
